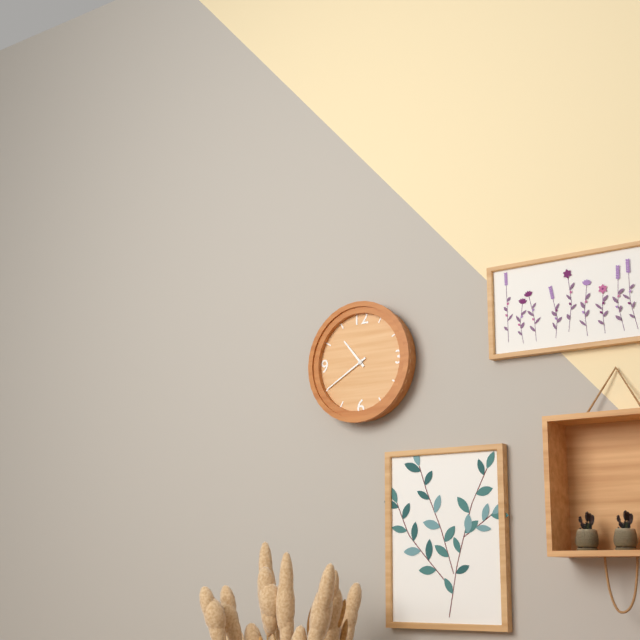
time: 10:40
